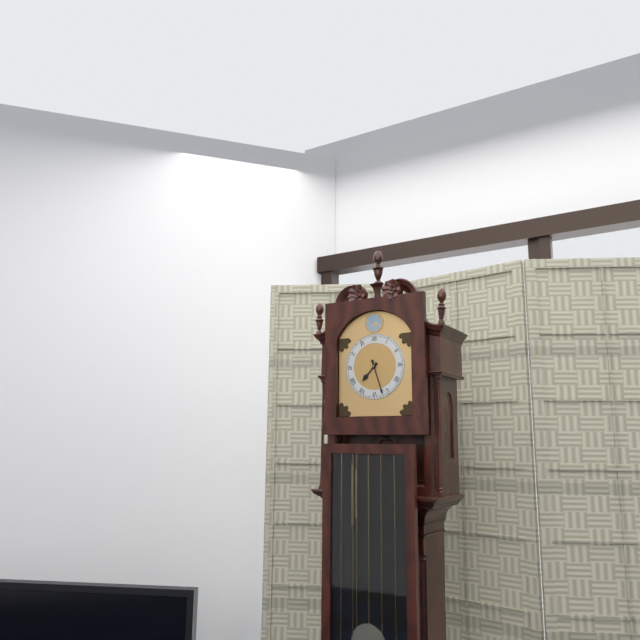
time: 7:27
